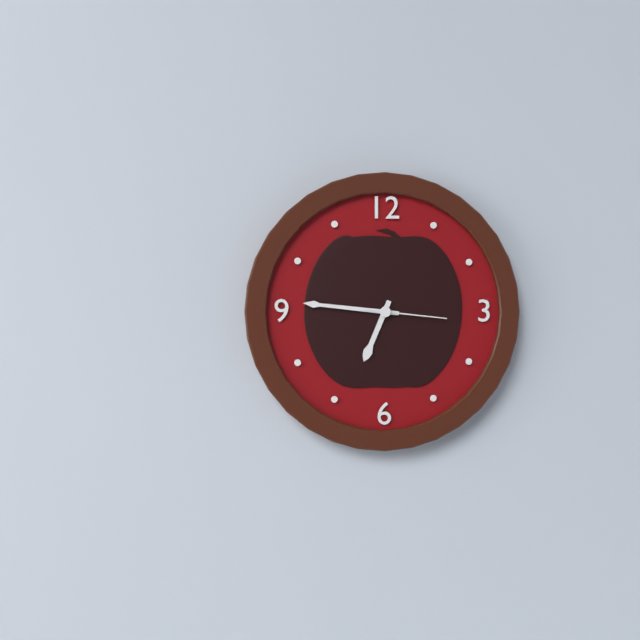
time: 6:46:16
